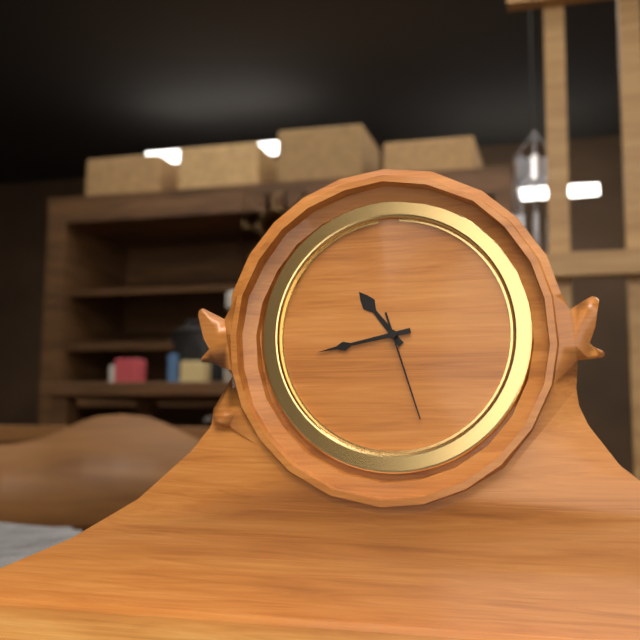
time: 10:43:27
